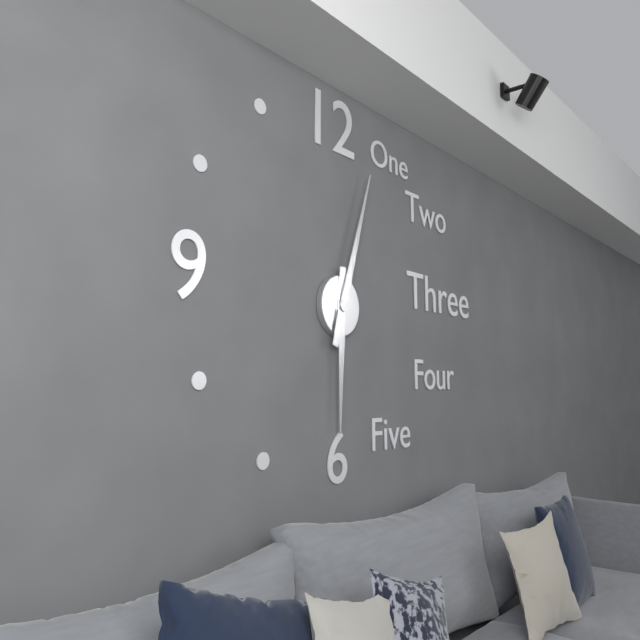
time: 6:03
